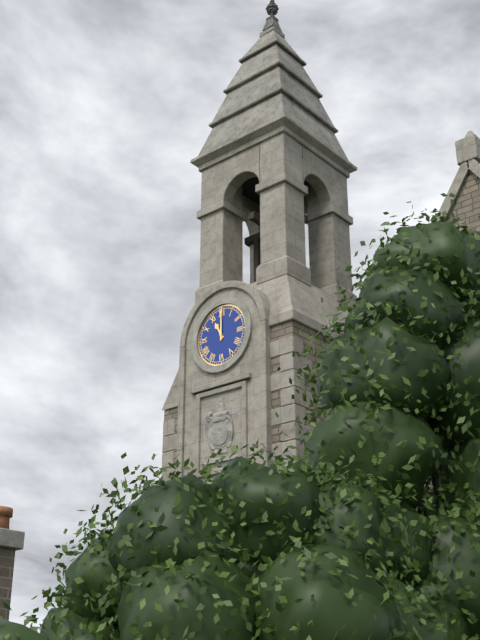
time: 11:00
